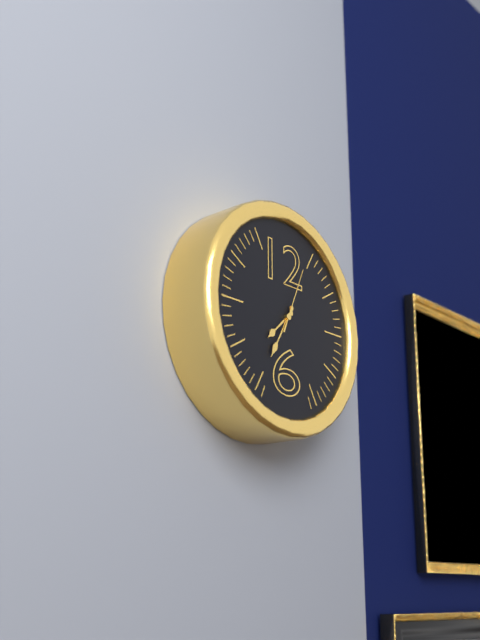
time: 7:35:04
